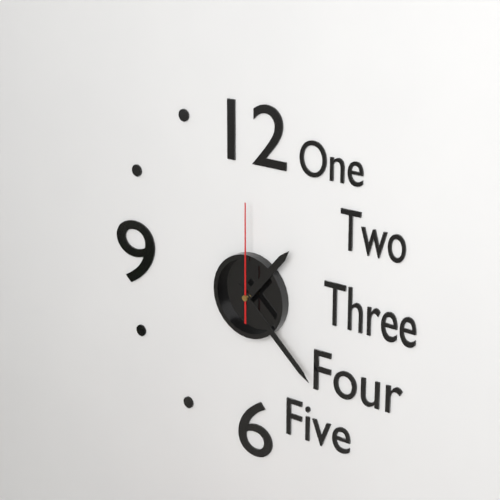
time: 1:22:00
